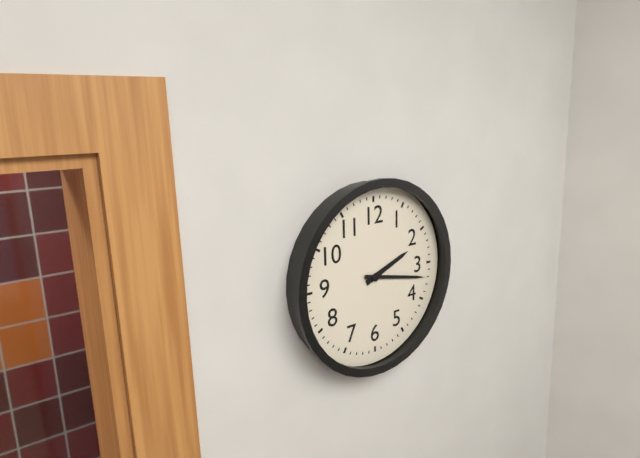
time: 2:17
